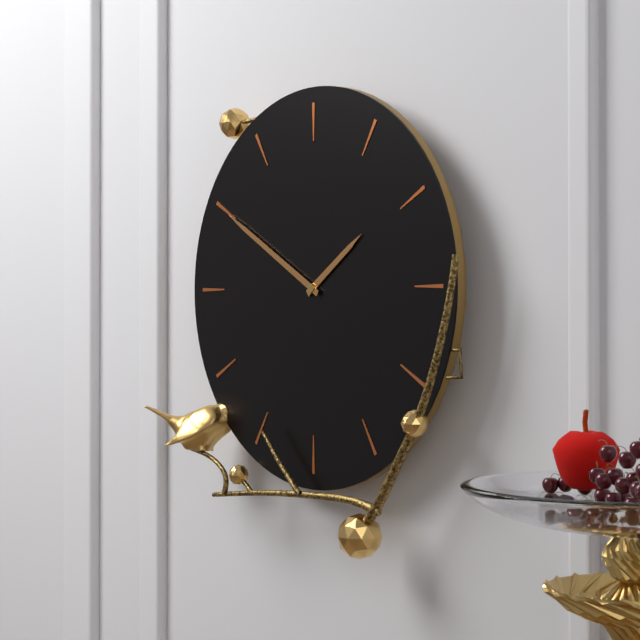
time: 1:50
